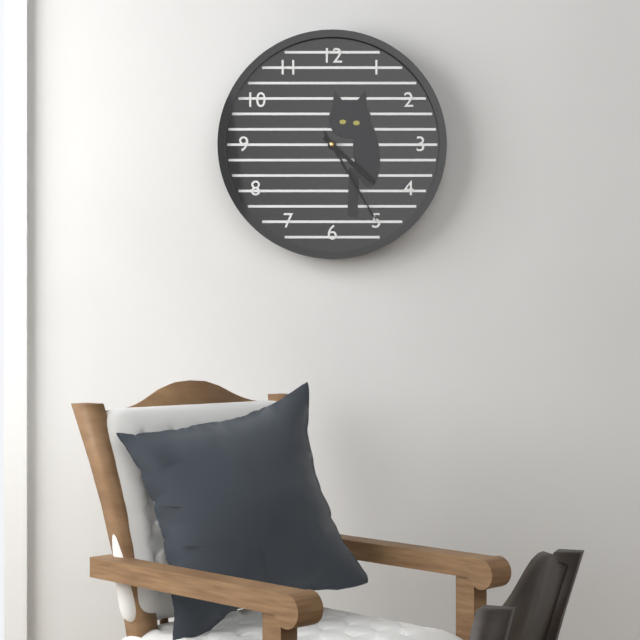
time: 4:25
